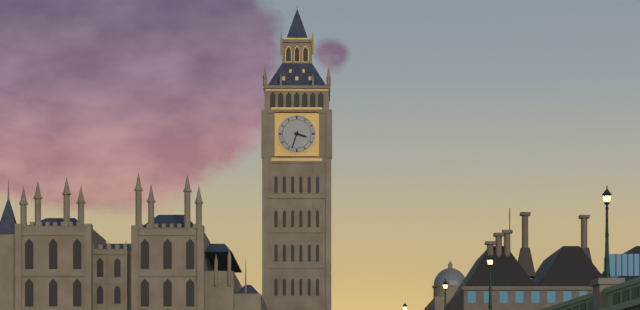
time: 3:33
